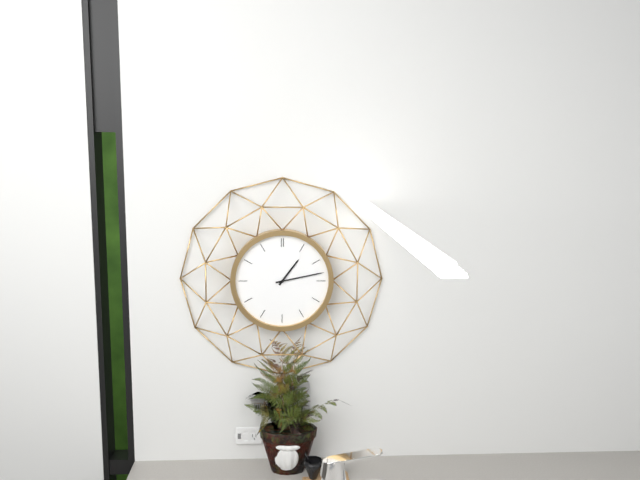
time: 1:13
